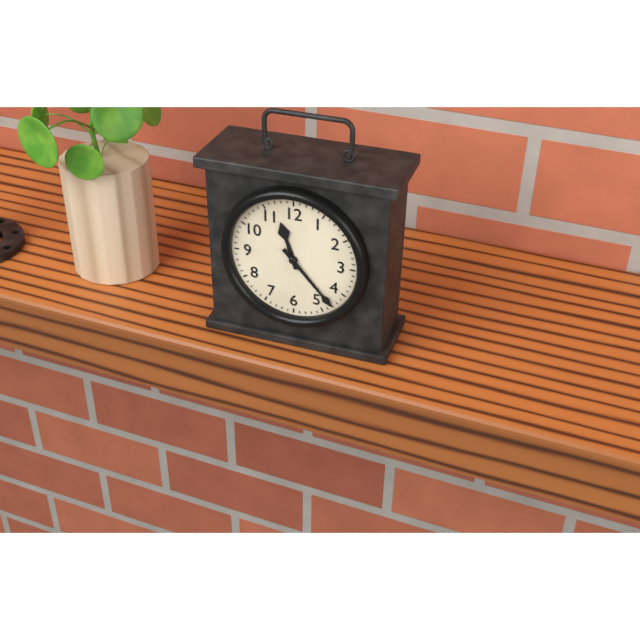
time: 11:23
